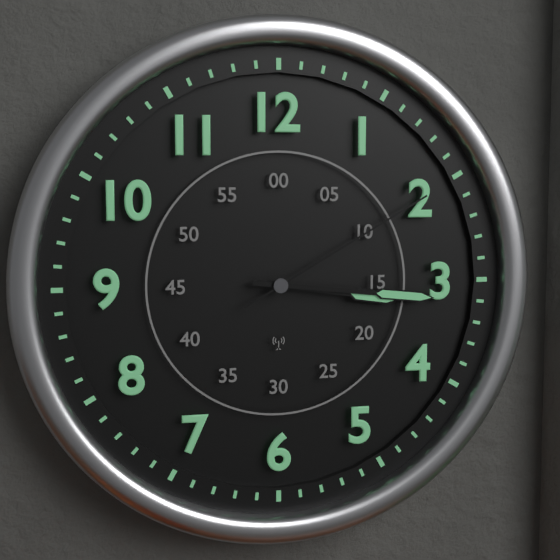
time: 3:16:10
